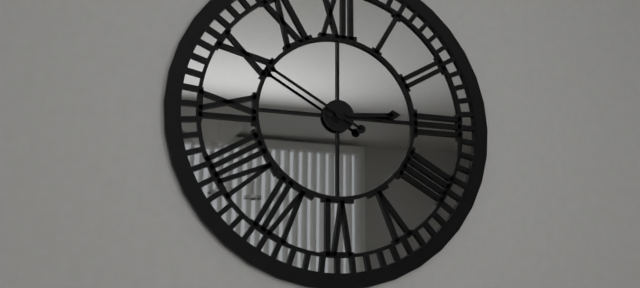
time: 2:50
